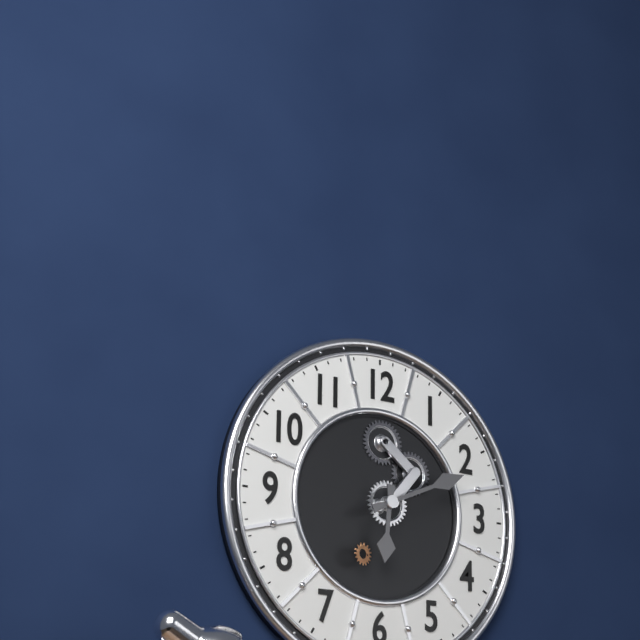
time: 6:11
